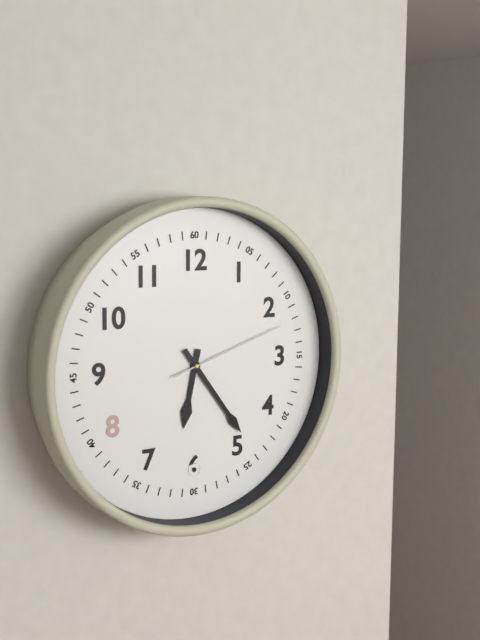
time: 6:24:12
